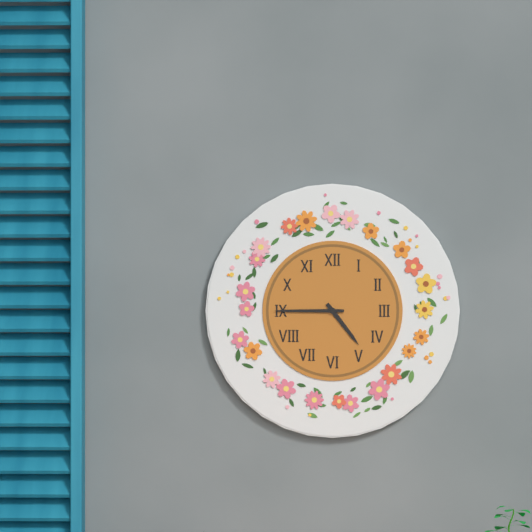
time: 4:45
